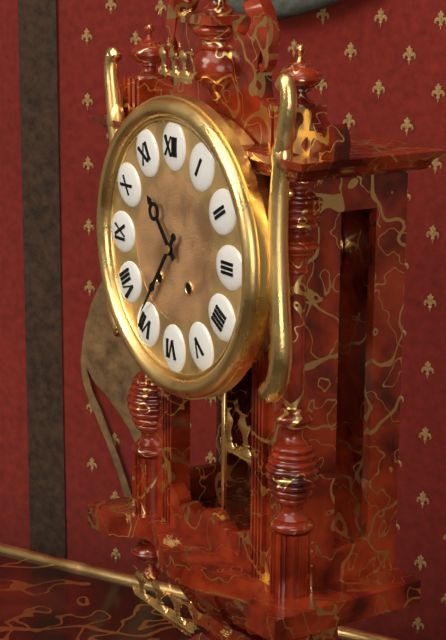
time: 10:36
